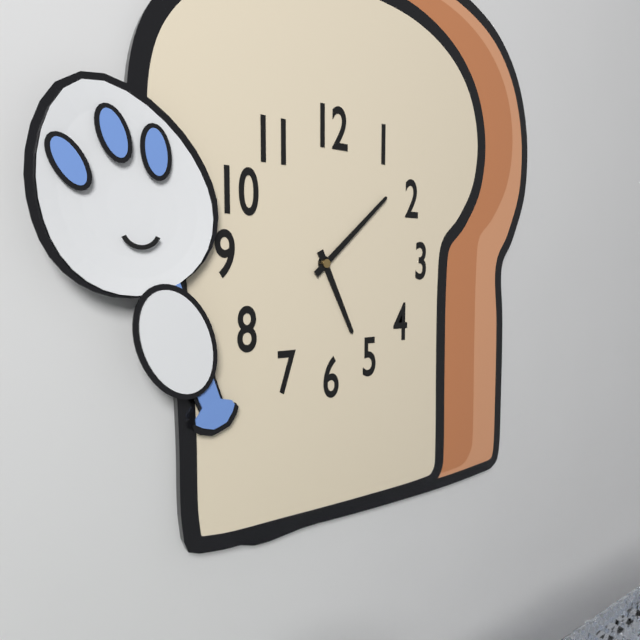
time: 5:08
